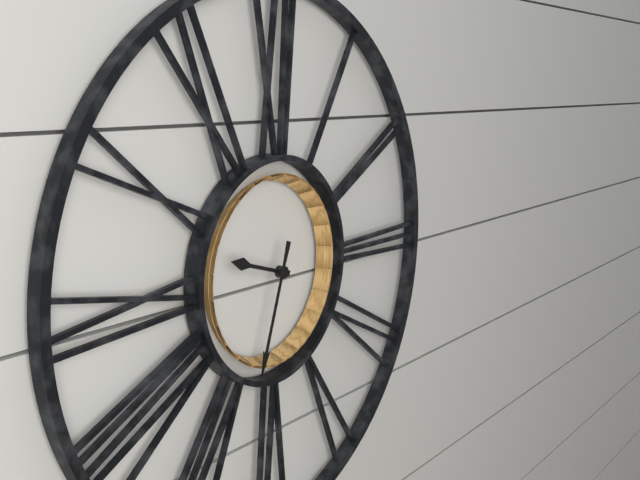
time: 9:33
